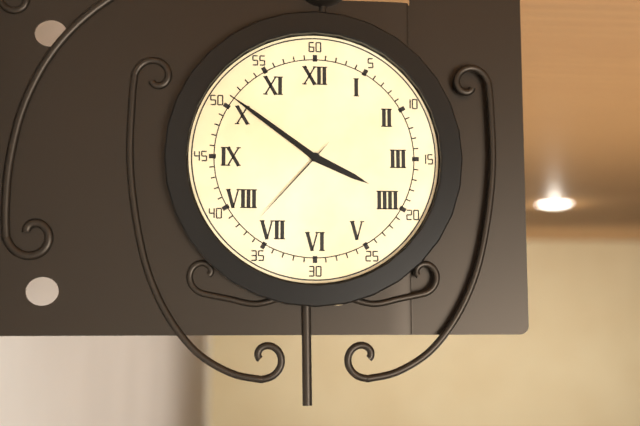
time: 3:51:37
